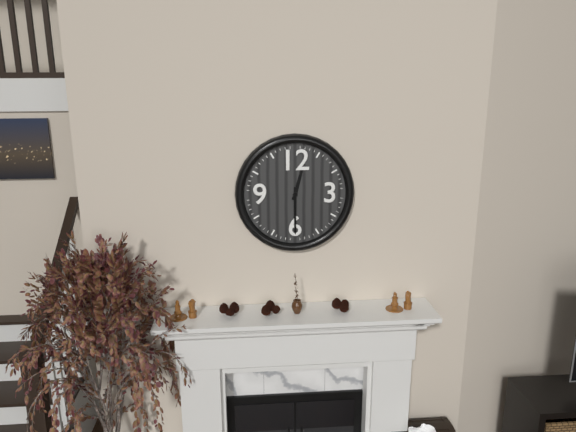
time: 12:30
